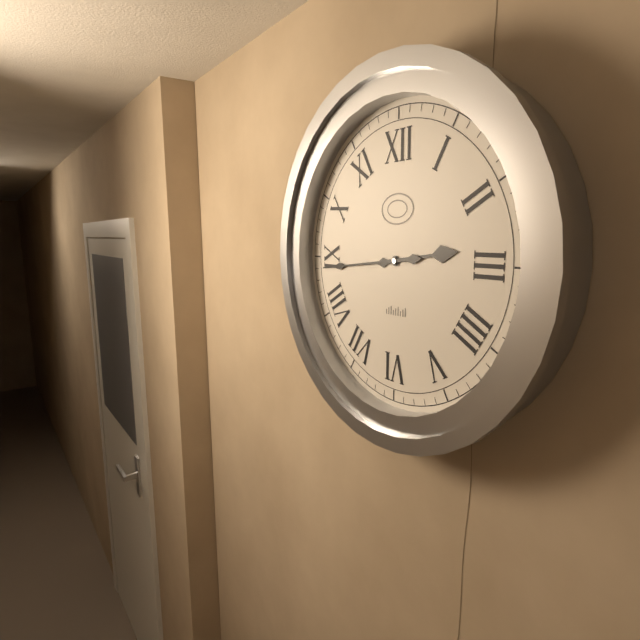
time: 2:44
